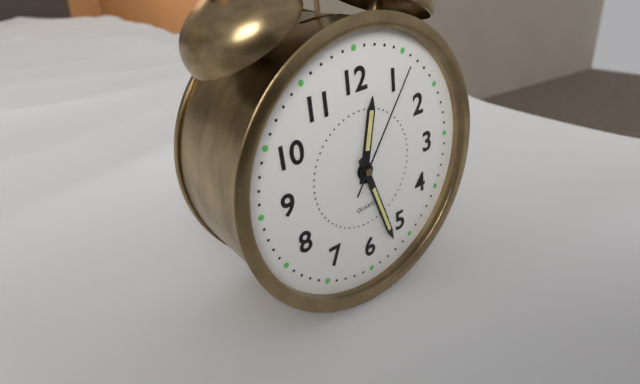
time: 12:27:06
